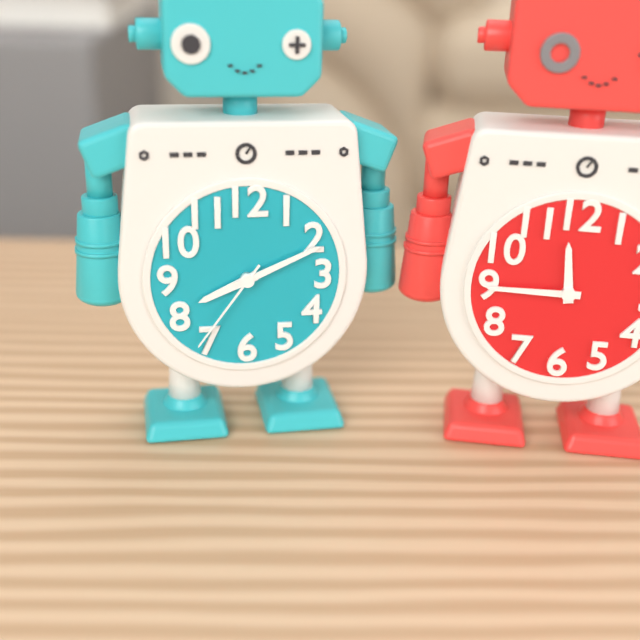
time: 8:11:36
